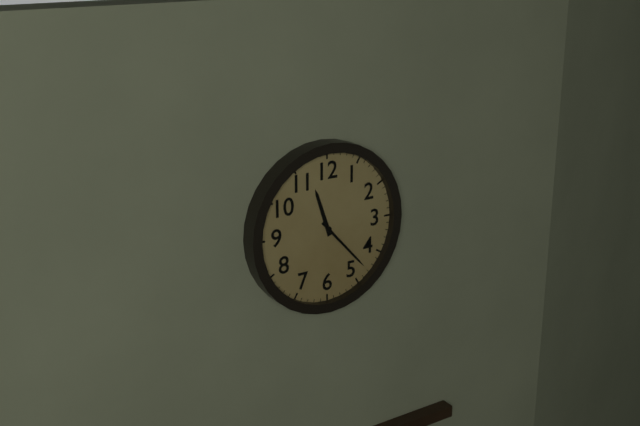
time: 11:23
